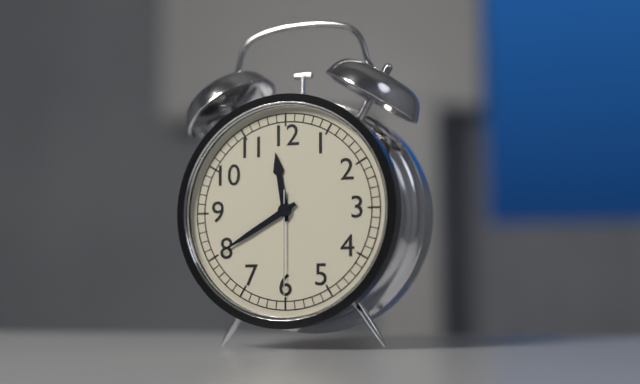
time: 11:40:30
